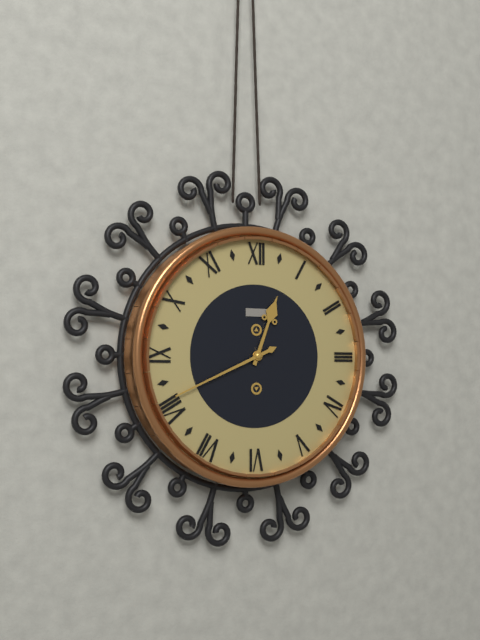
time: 12:41
